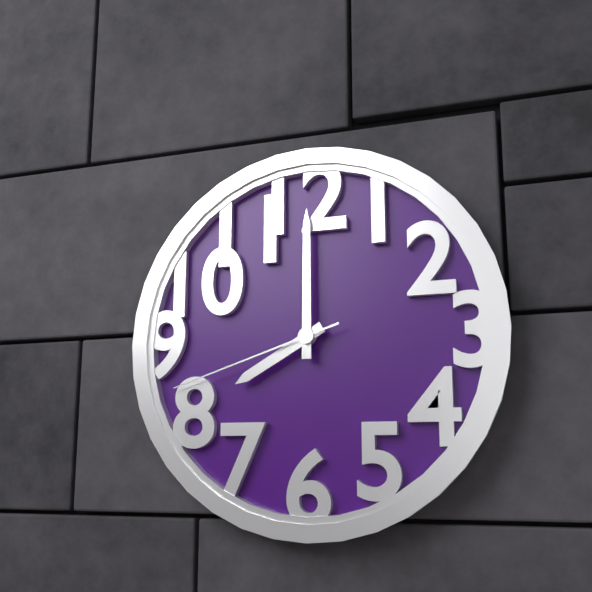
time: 8:00:42
